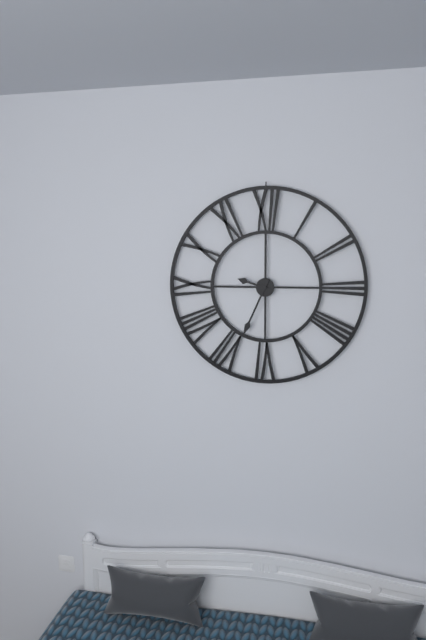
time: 9:34
